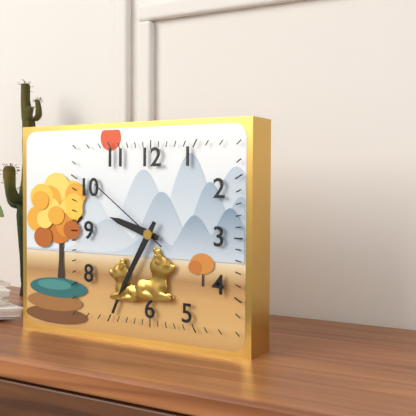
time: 9:35:51
